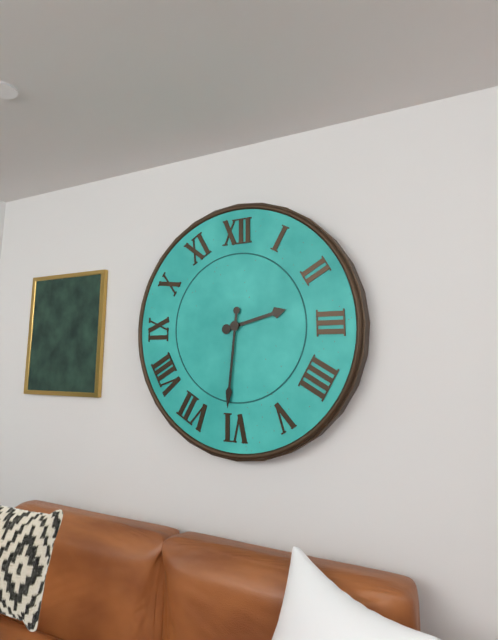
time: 2:31
